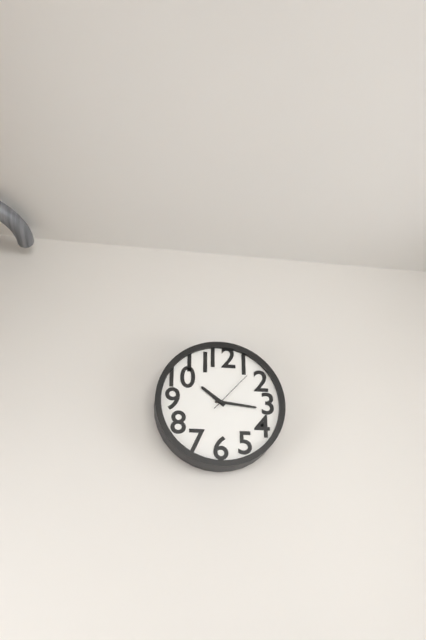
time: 10:16:07
